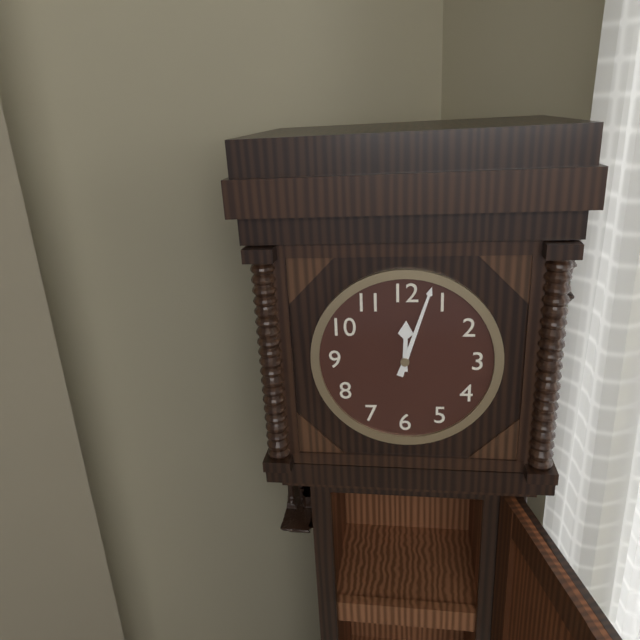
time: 12:03
